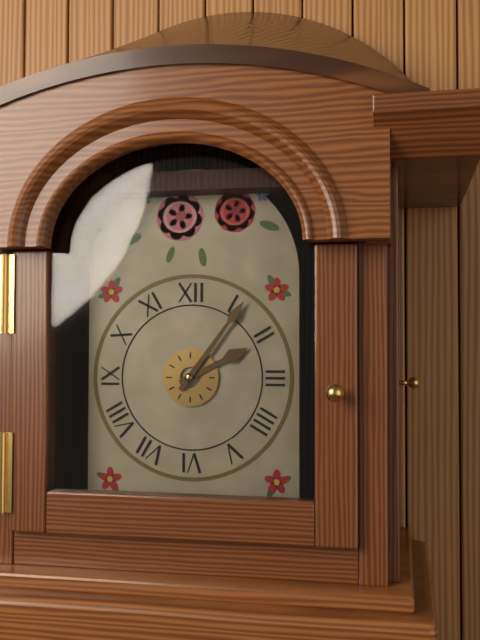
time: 2:06
